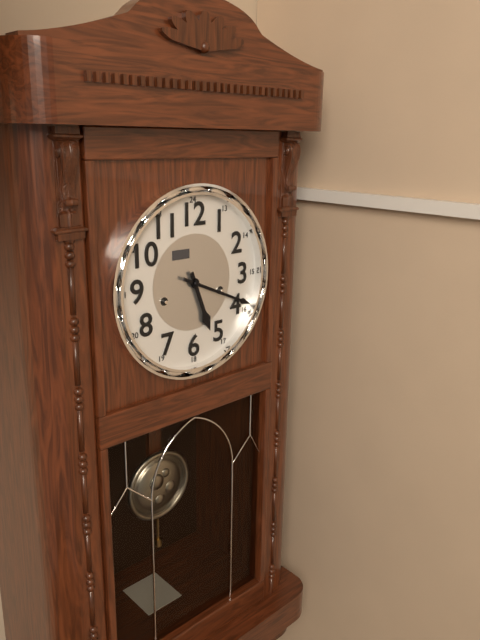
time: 5:19
